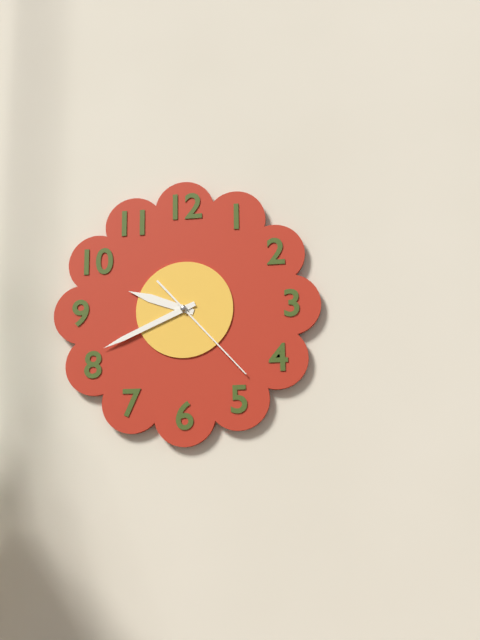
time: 9:41:23
